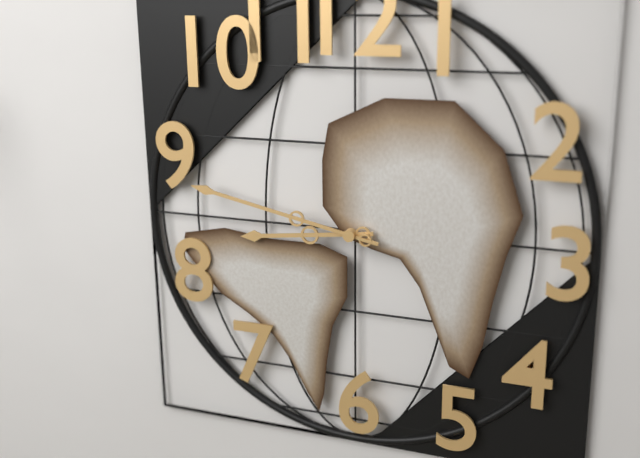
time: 8:47
